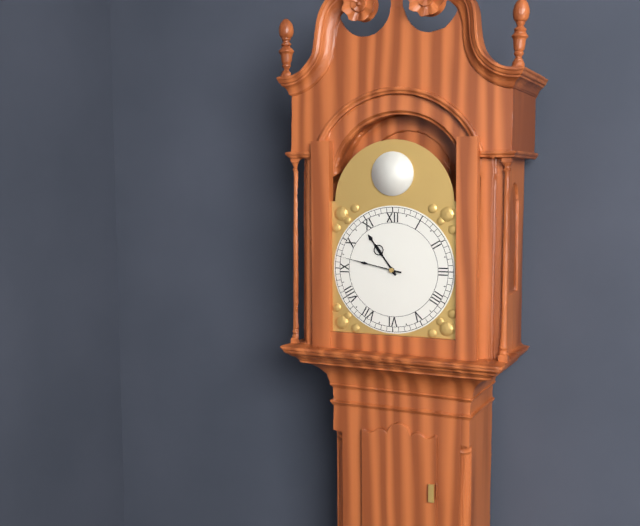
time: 10:47
